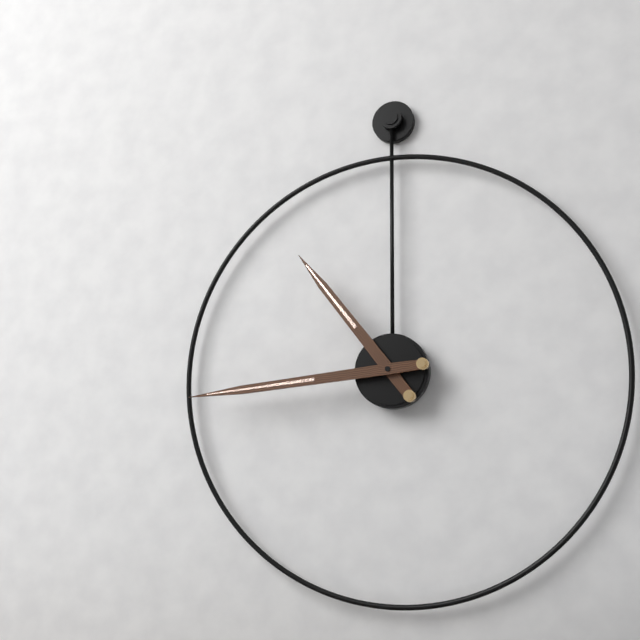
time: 10:44
